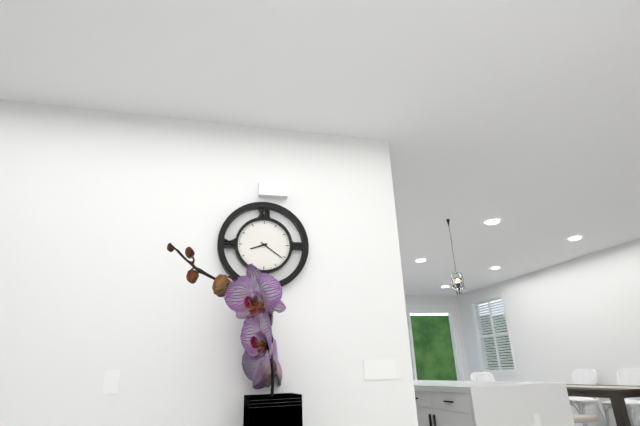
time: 8:21
